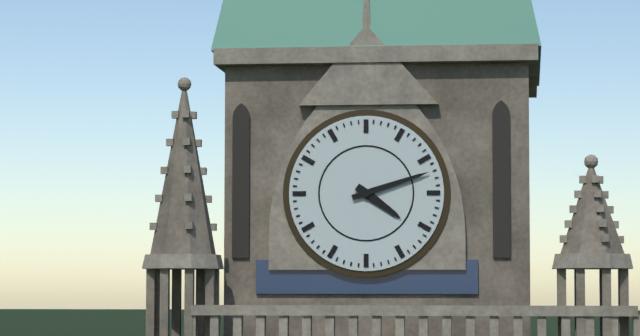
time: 4:12
